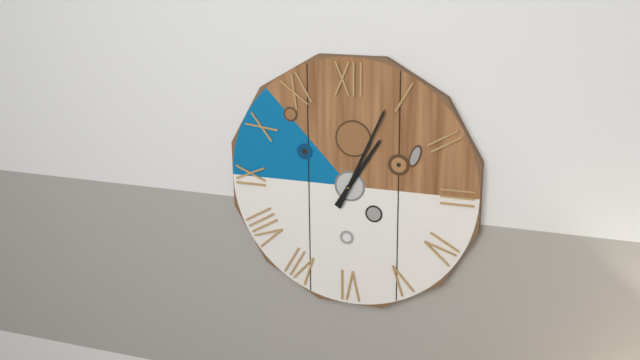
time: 1:04
